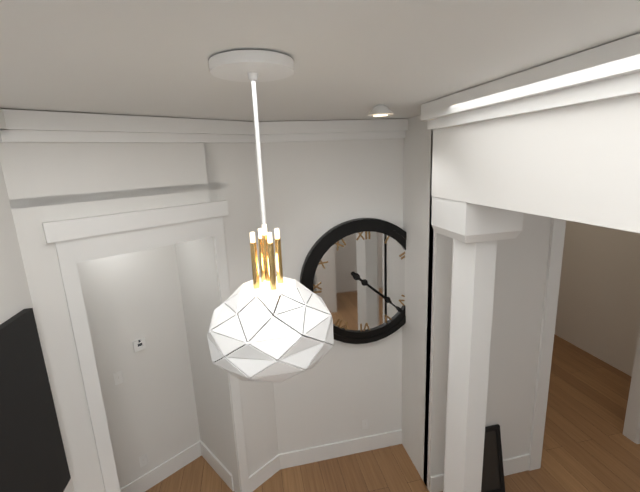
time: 4:22
